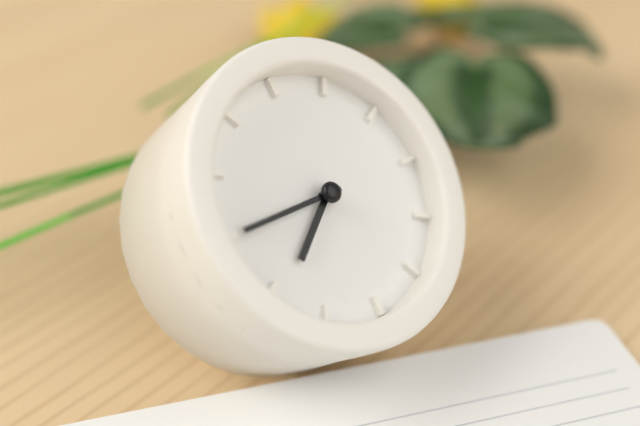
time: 7:45
